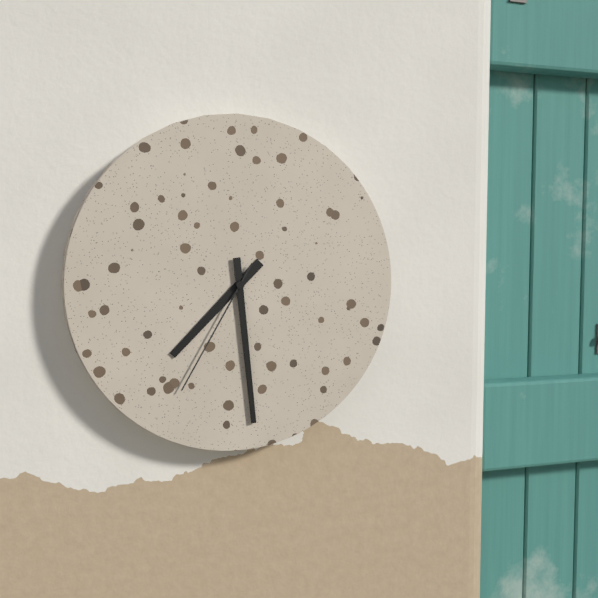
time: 7:29:35
